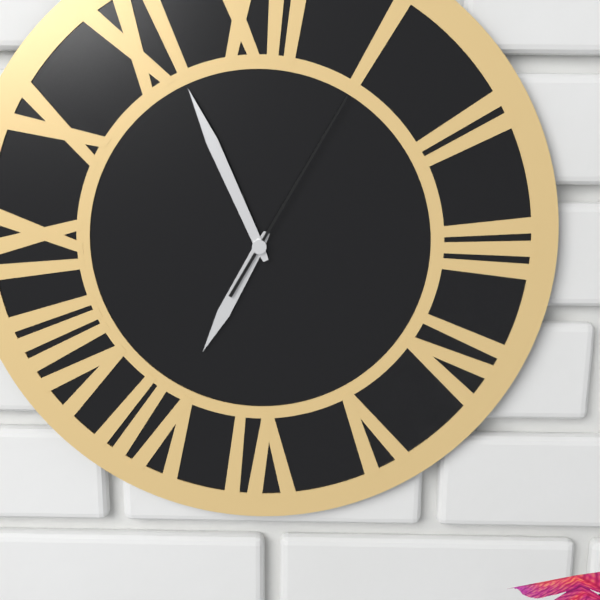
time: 6:56:05
